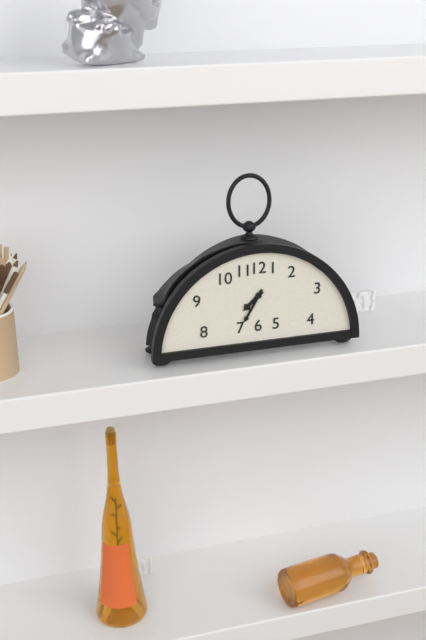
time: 7:35
